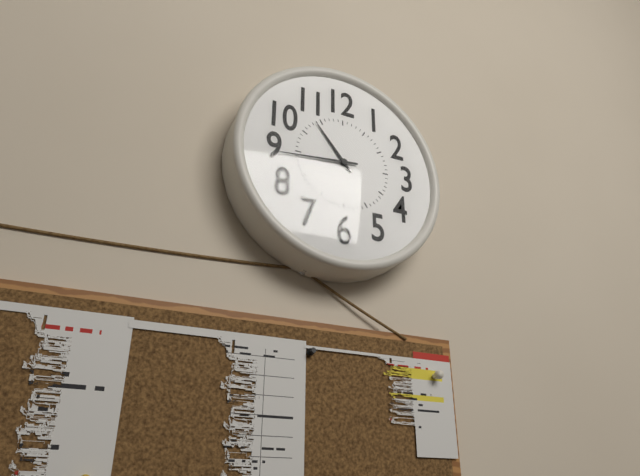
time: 10:44
